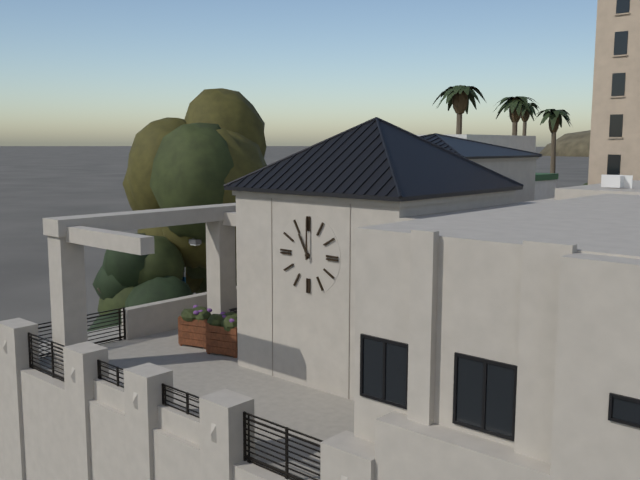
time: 11:00
